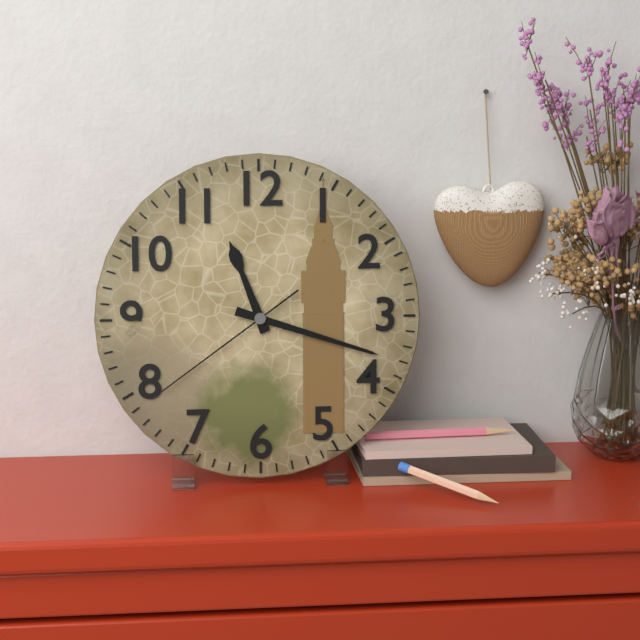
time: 11:18:39
